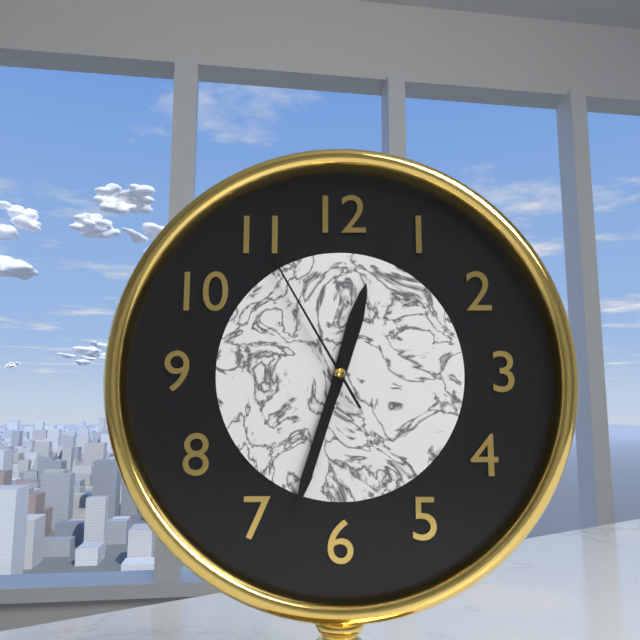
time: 12:33:55
